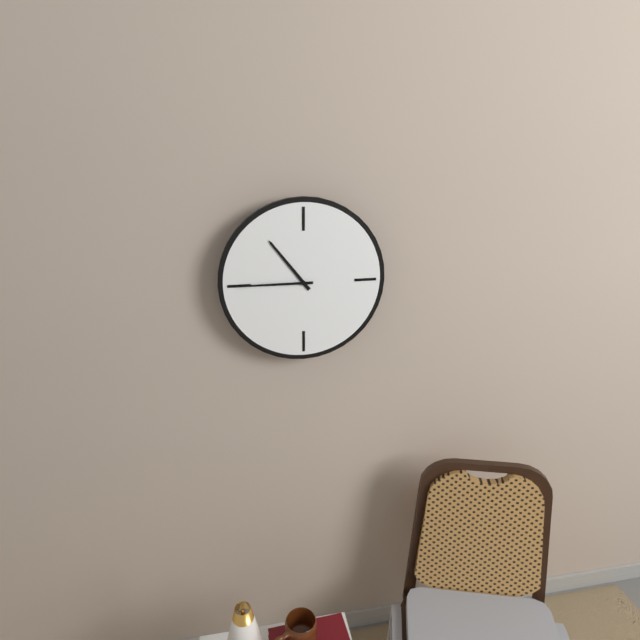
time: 10:45
